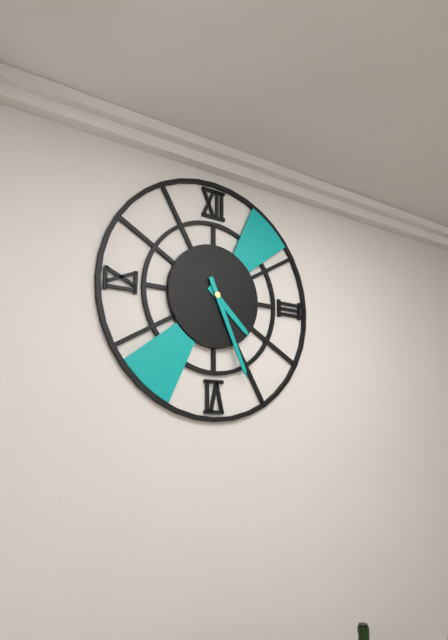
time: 4:26
